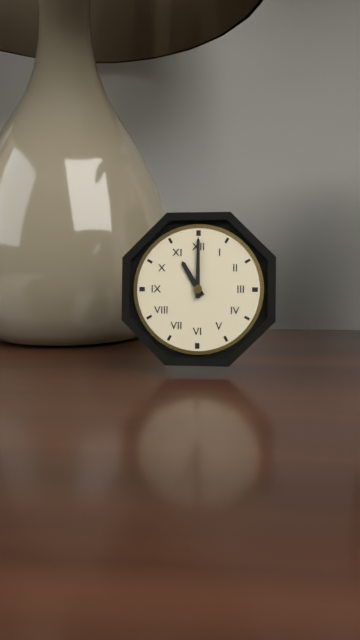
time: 11:00
